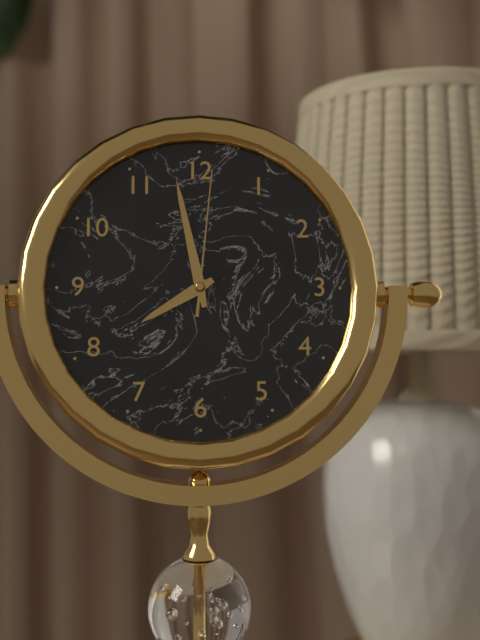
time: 7:58:01
